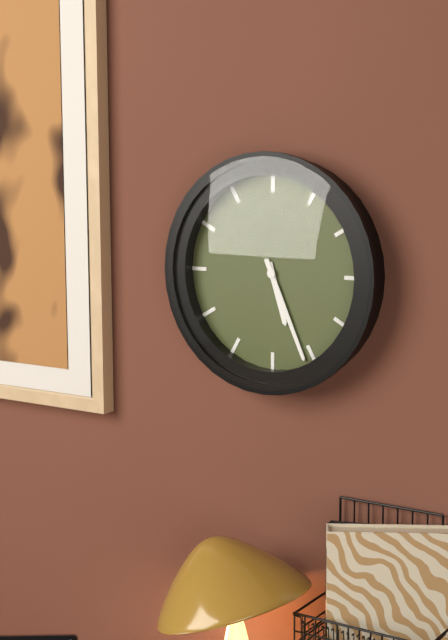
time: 5:26
